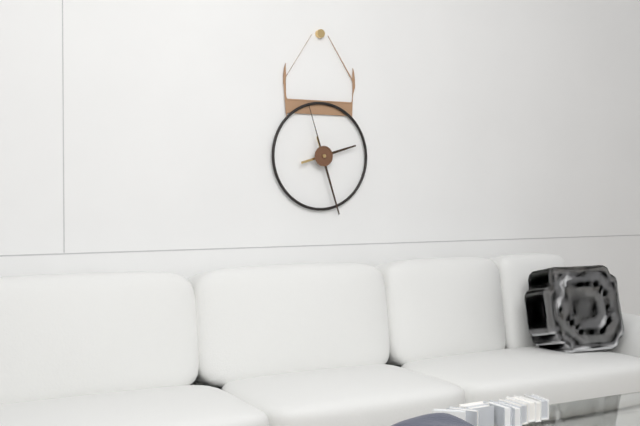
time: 2:27:57
